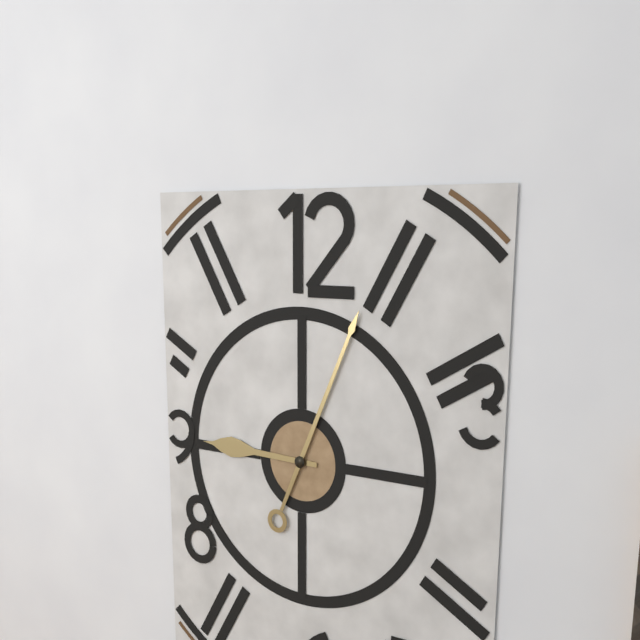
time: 9:04
